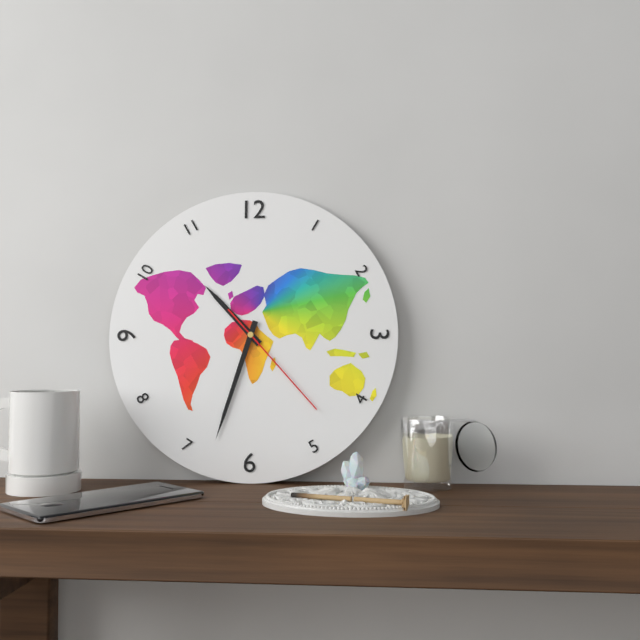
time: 10:33:23
